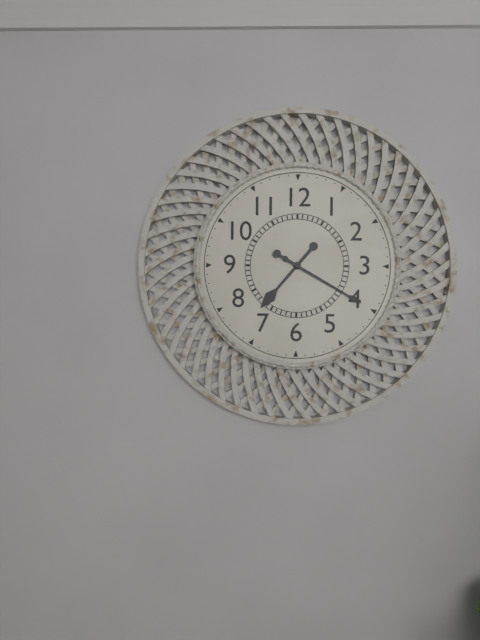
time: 7:20
